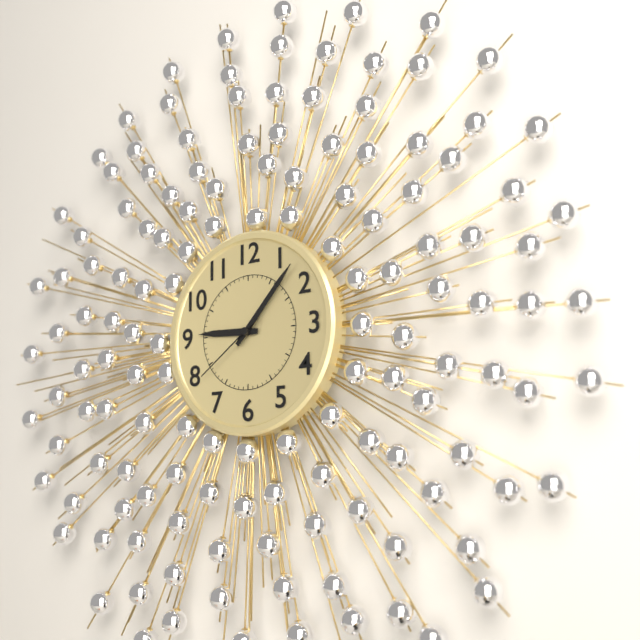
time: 9:07:39
